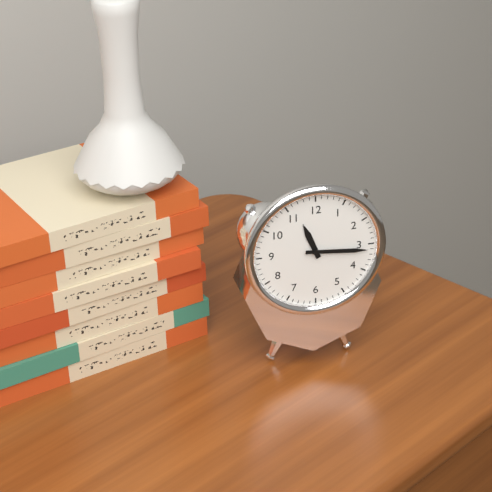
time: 11:16
